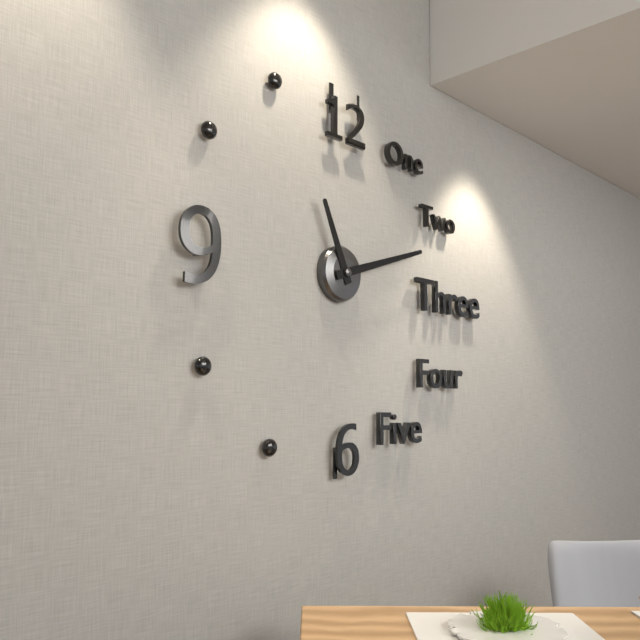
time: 11:12
